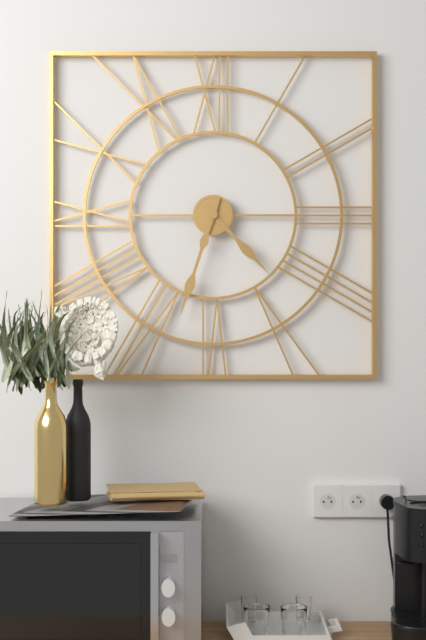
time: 4:33
